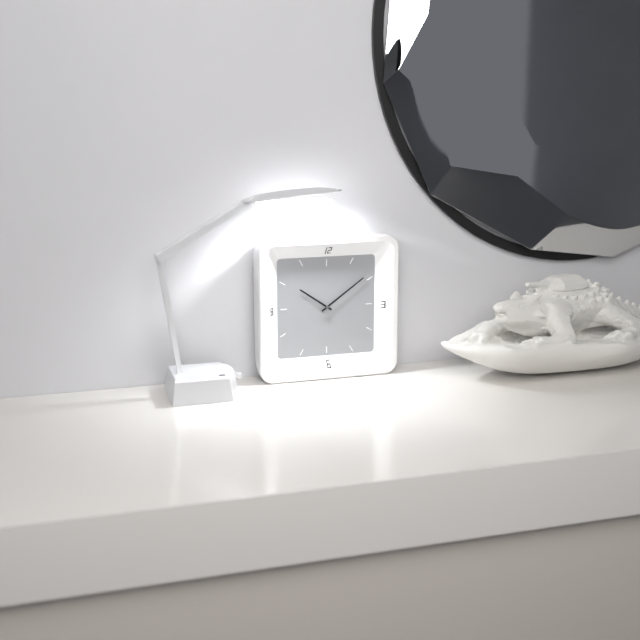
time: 10:09
